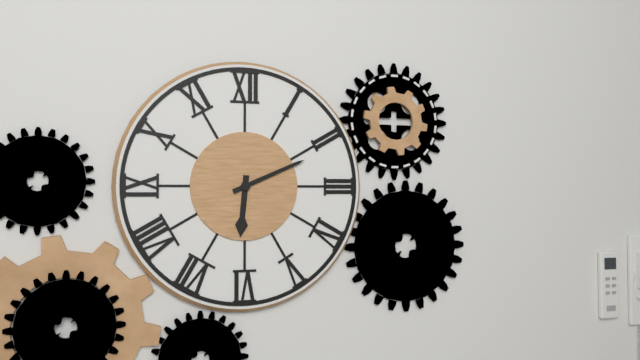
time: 6:11
